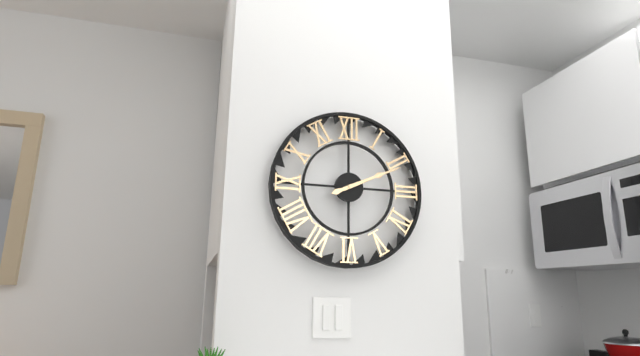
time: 2:11
